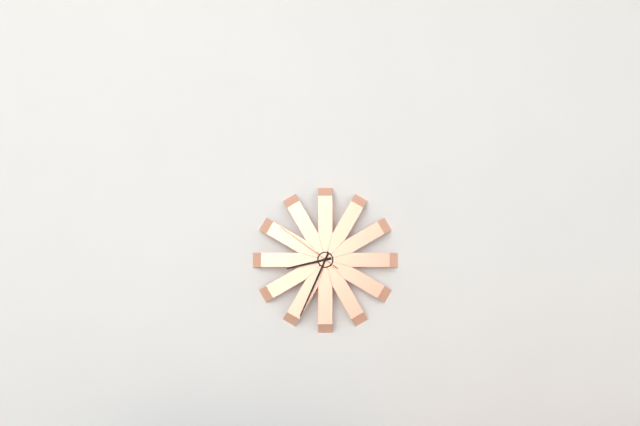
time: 8:34:51
